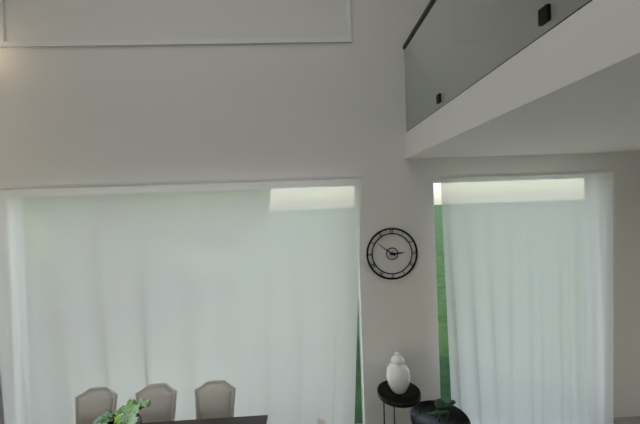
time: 2:51
